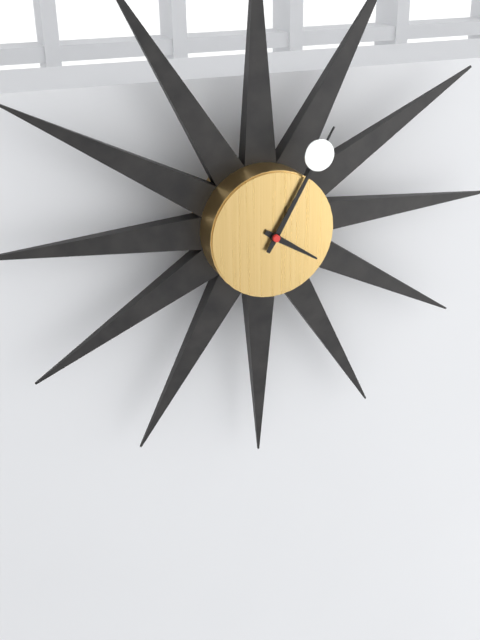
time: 4:05
